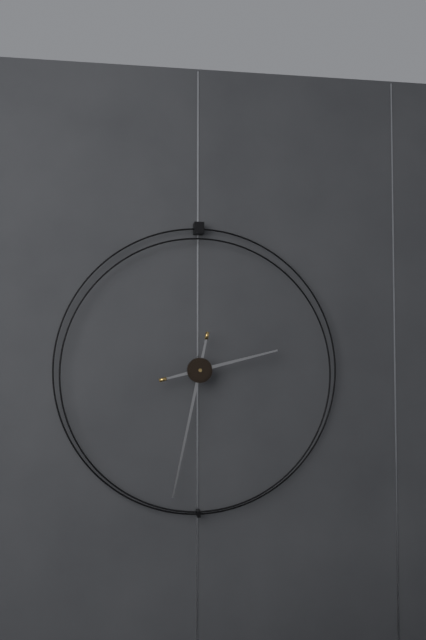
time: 2:32
